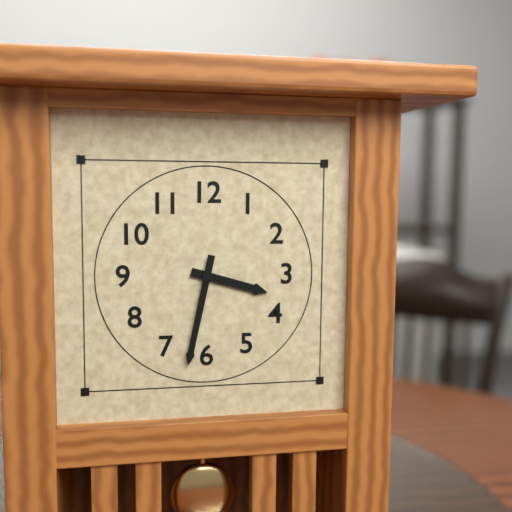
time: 3:32
